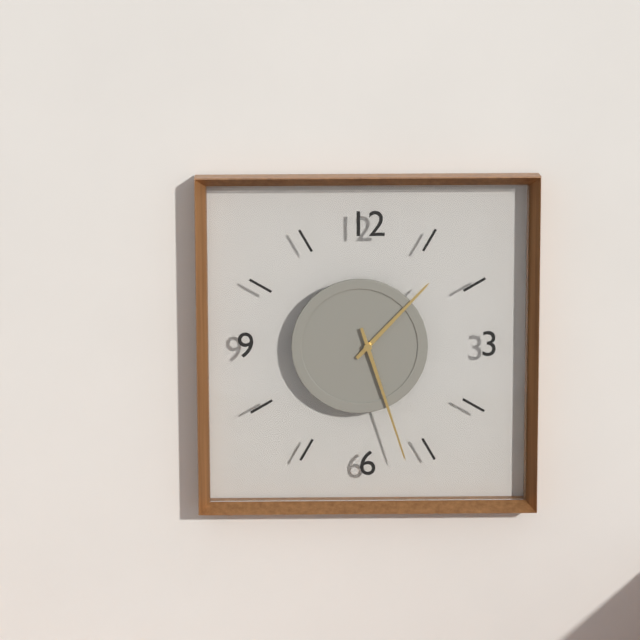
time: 1:27
